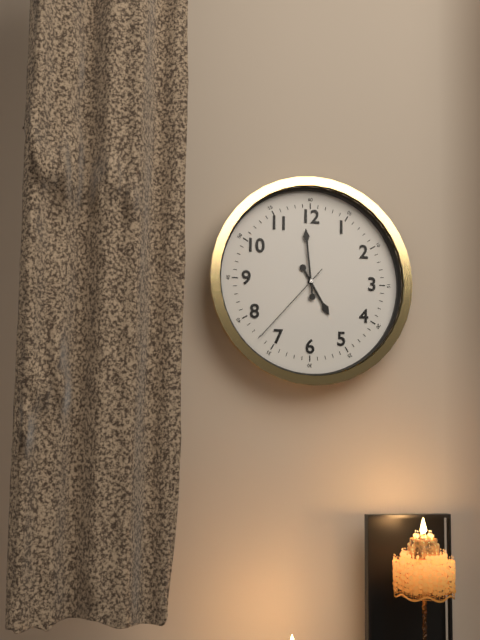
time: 4:59:37
